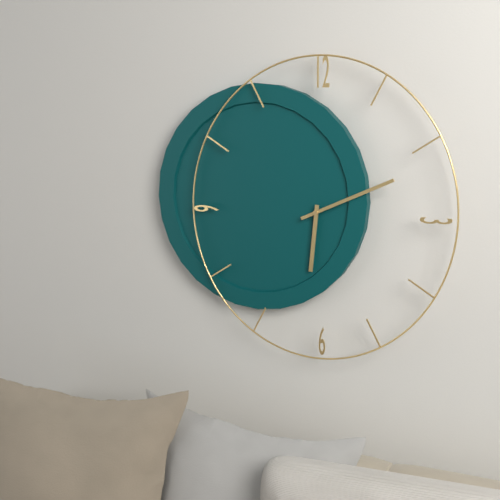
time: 6:11
